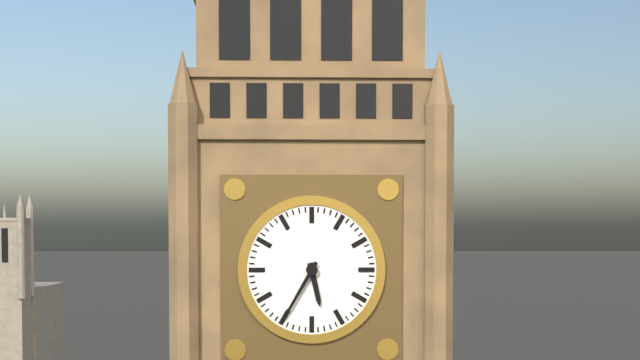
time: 5:35
